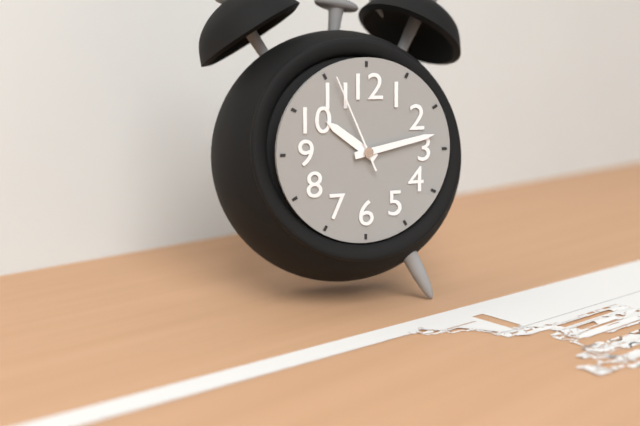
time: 10:13:56
